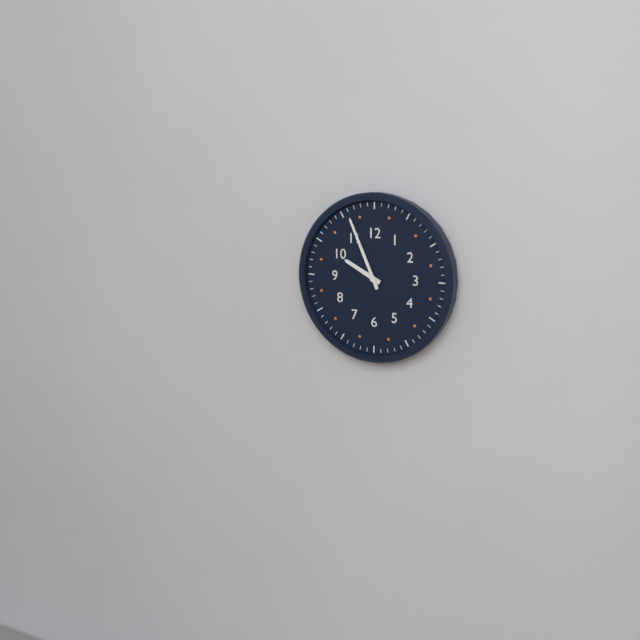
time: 9:56
